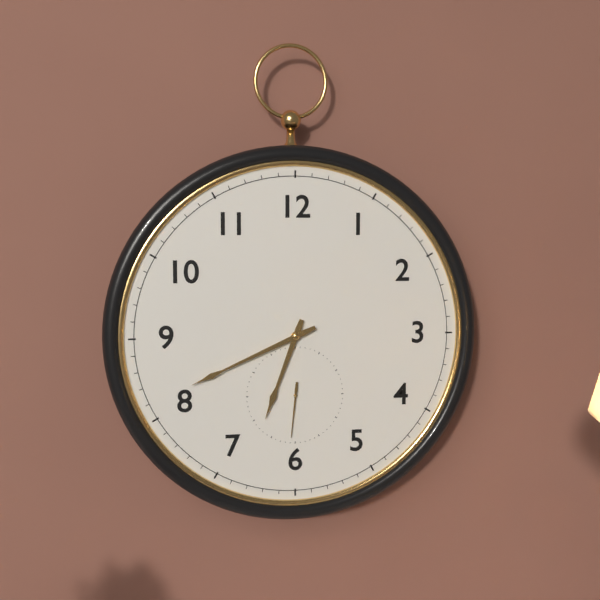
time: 6:41:31
